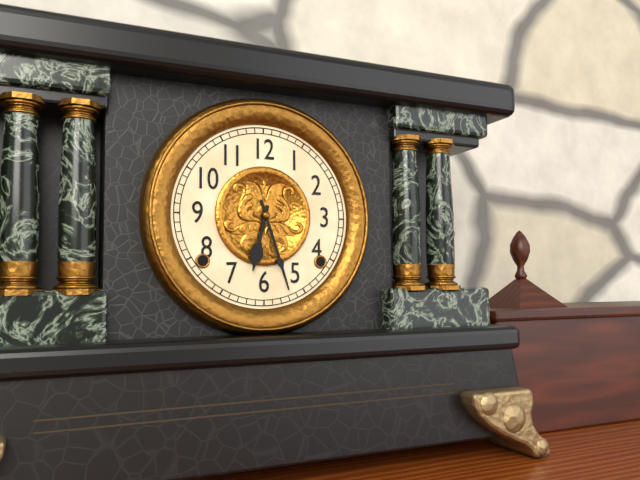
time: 6:27
